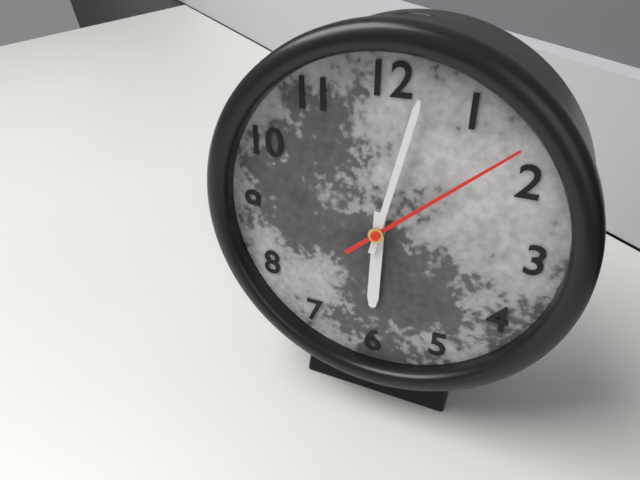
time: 6:02:08
